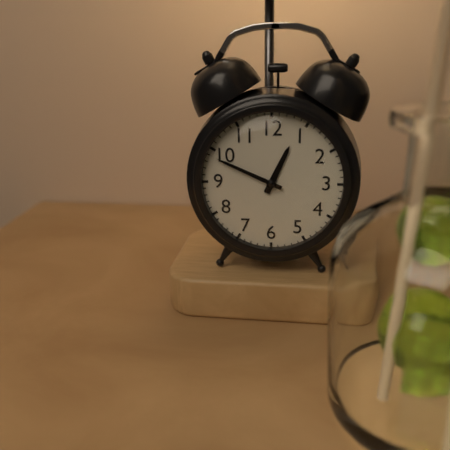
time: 12:49
